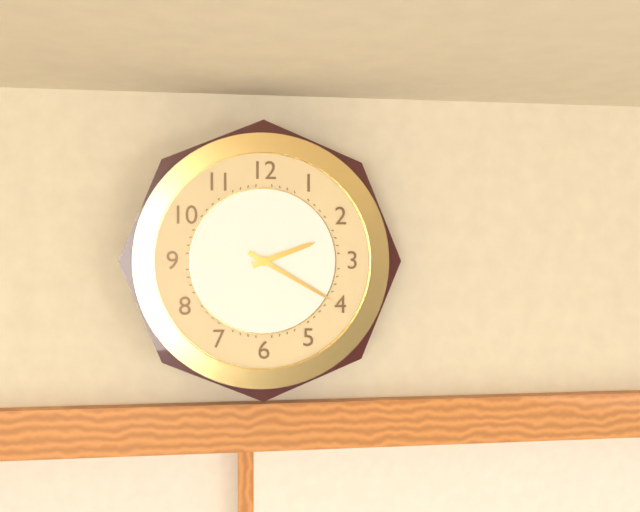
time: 2:20
